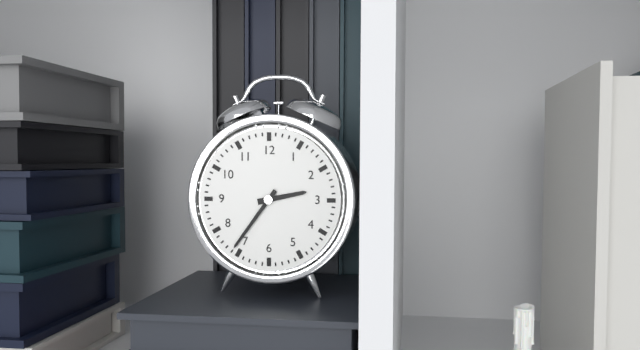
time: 2:36
